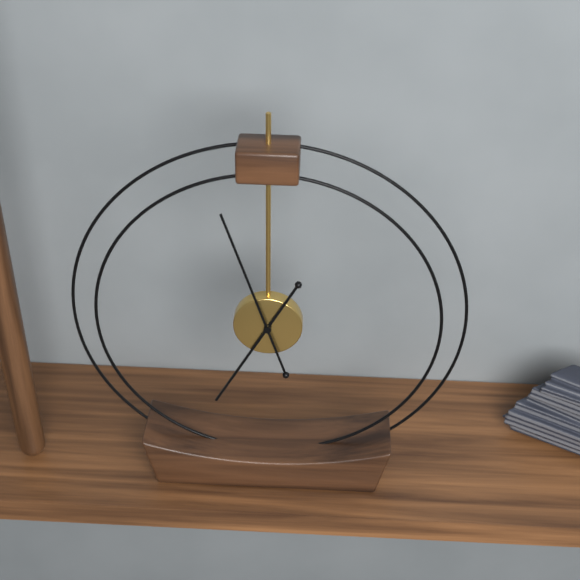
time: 6:57
